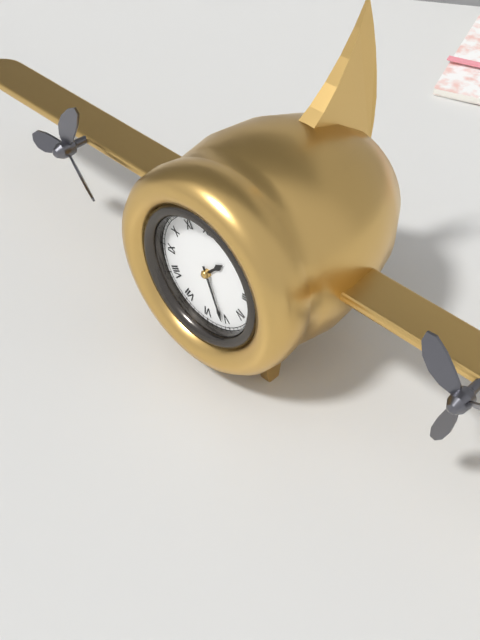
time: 1:26
